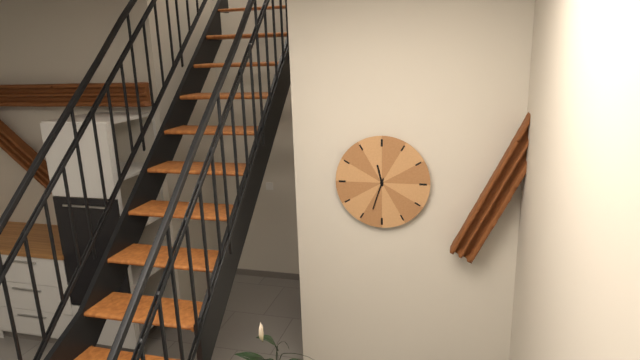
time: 11:33
